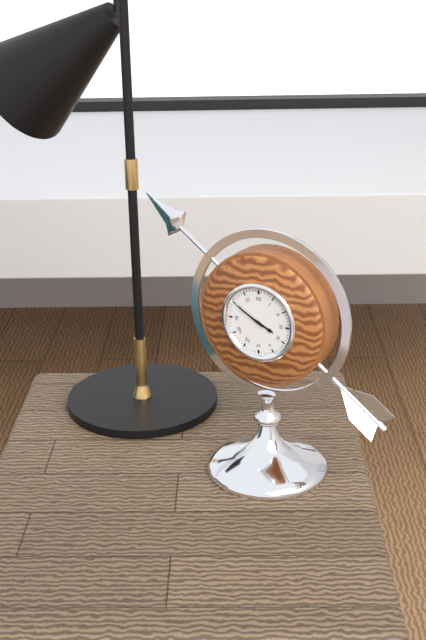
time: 3:50
